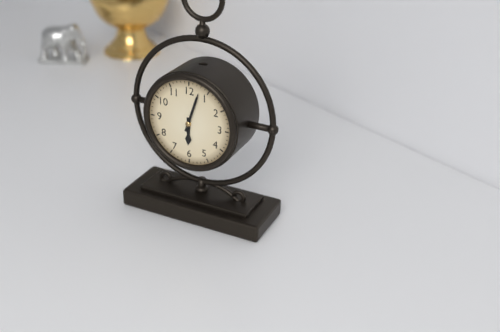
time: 6:03
